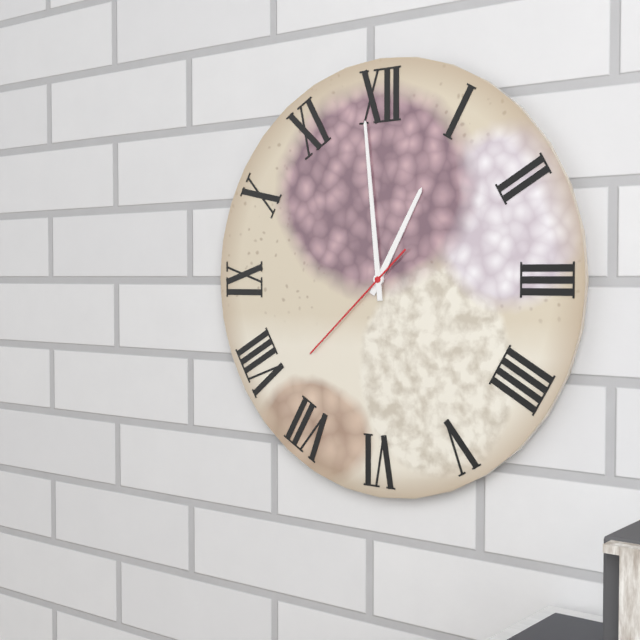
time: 12:59:38
